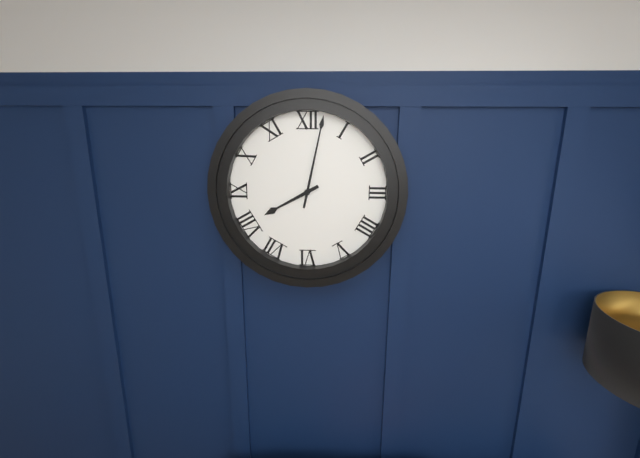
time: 8:02
